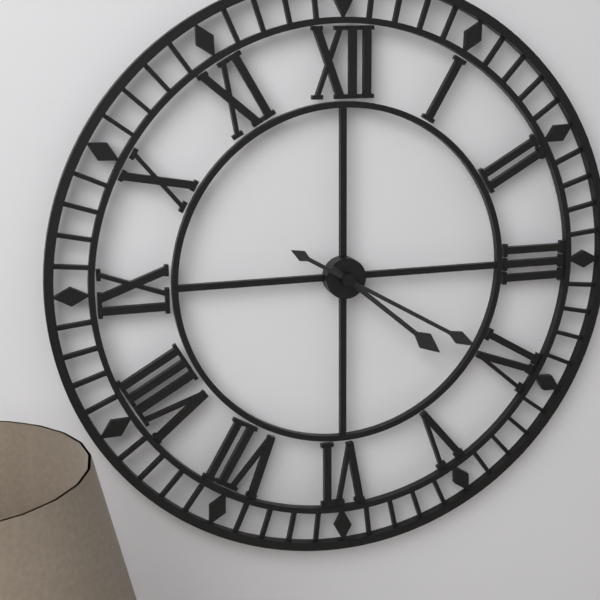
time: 4:20
